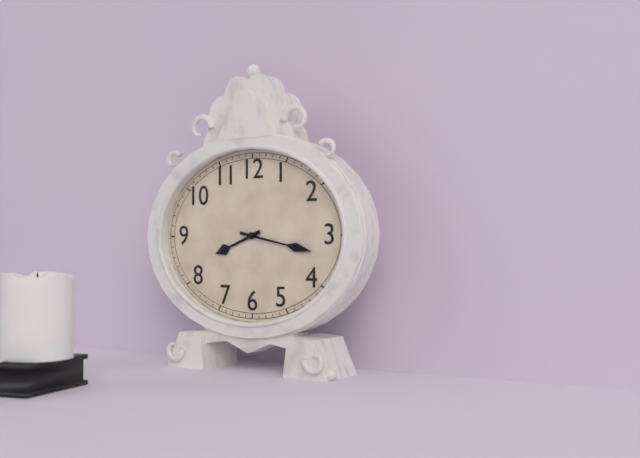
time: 8:17
